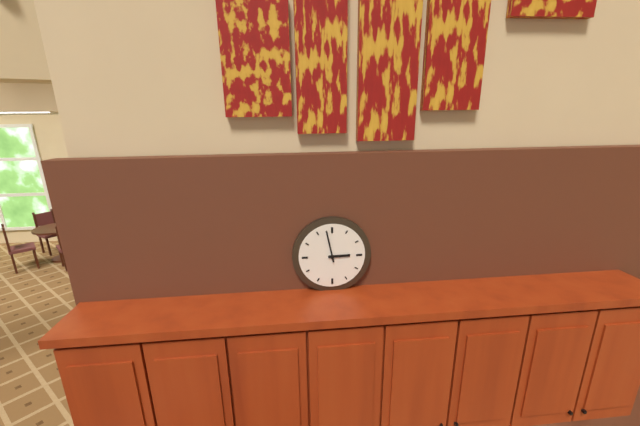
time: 2:58
